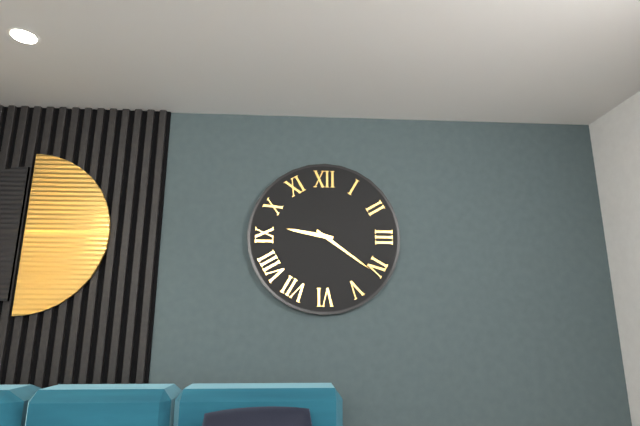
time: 9:21
